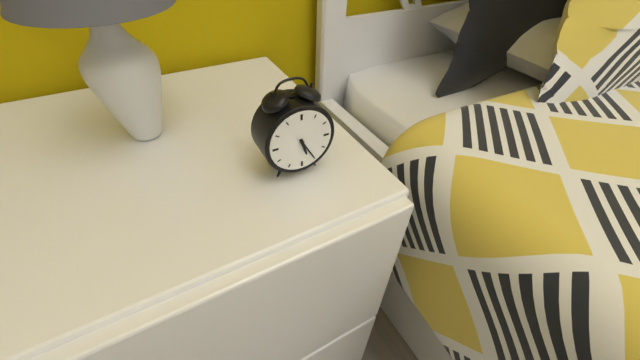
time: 5:25
